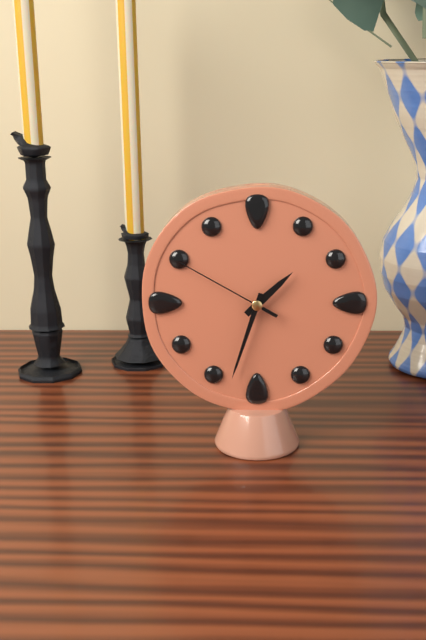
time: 1:33:50
